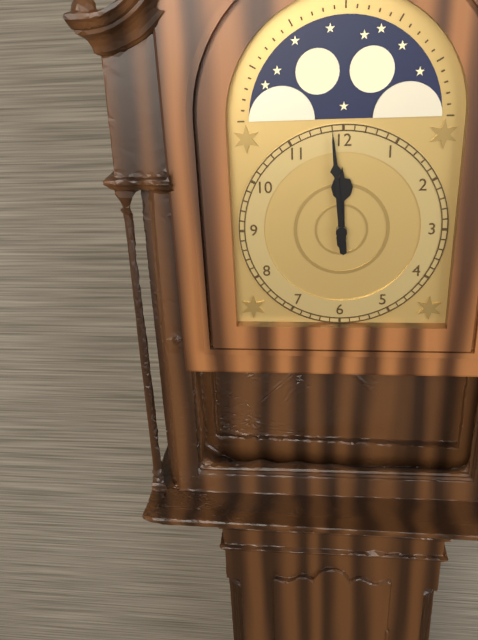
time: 11:59
